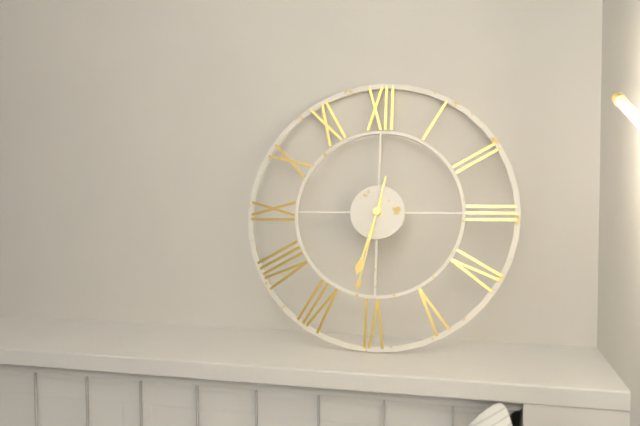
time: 6:32
